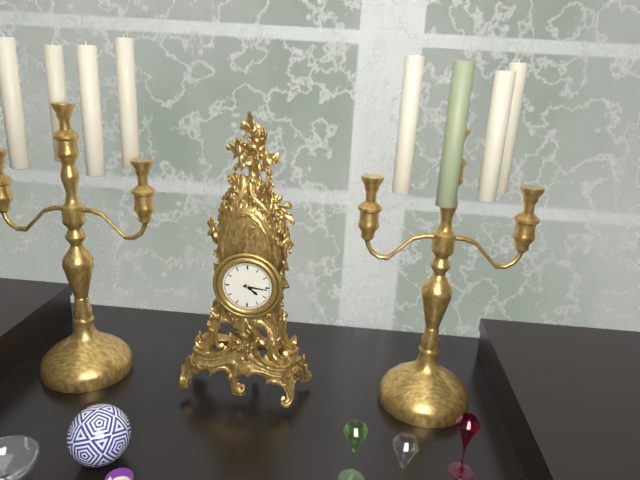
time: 4:16
